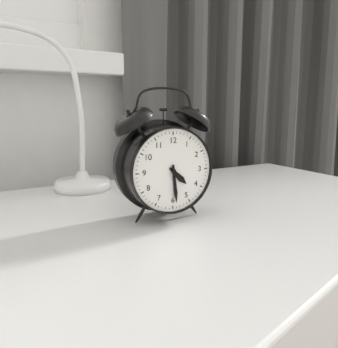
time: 4:29
